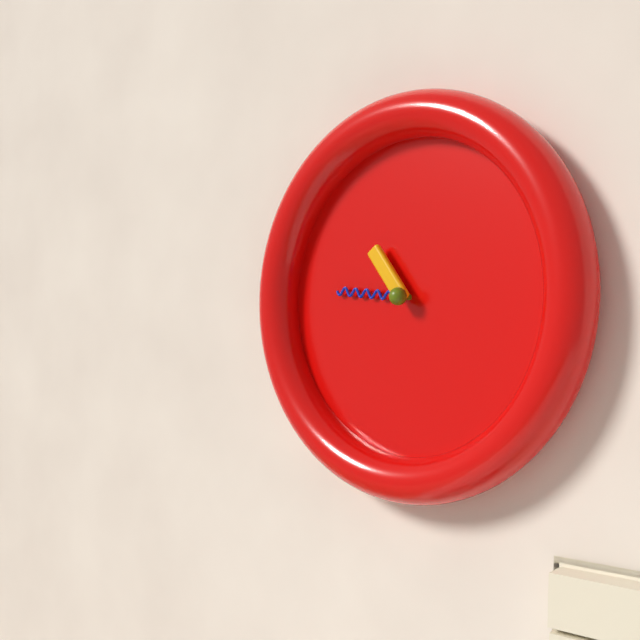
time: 10:46
